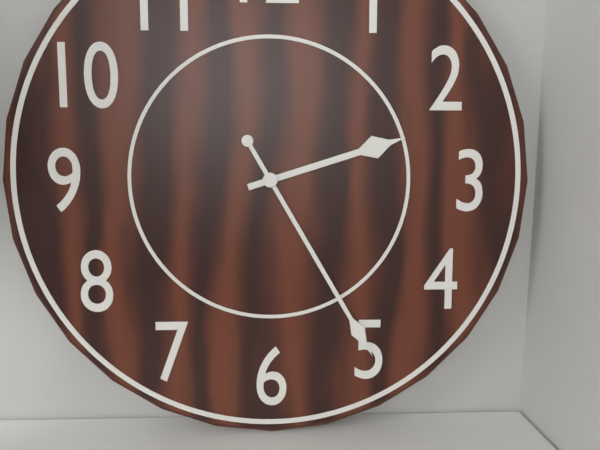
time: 2:25
